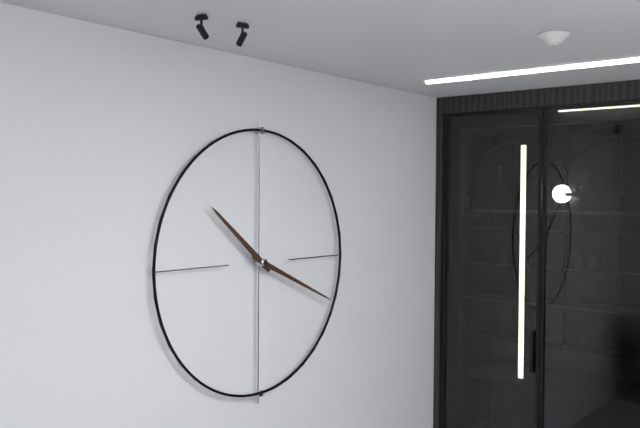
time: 10:19
